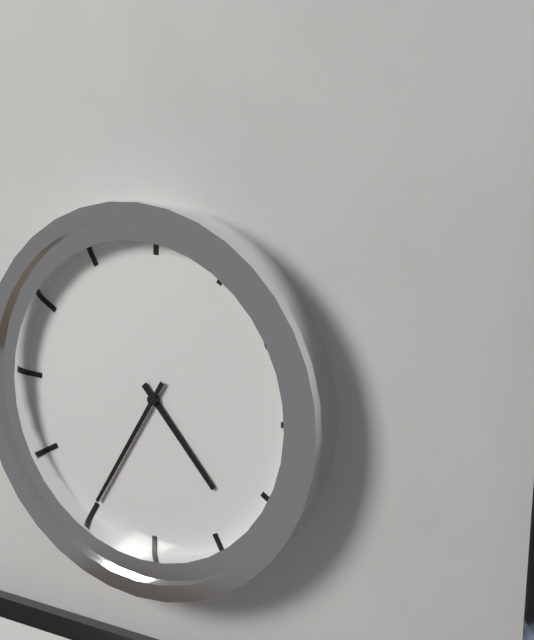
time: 4:35
